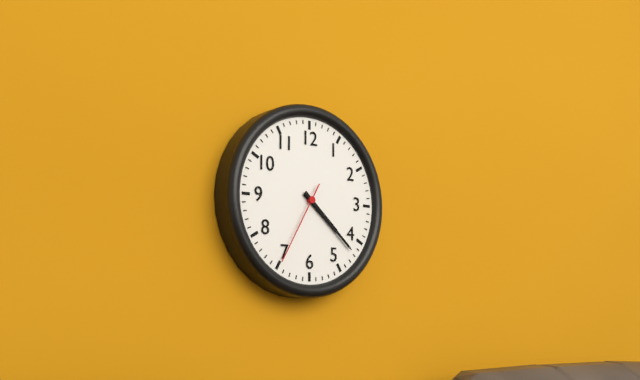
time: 4:22:35
